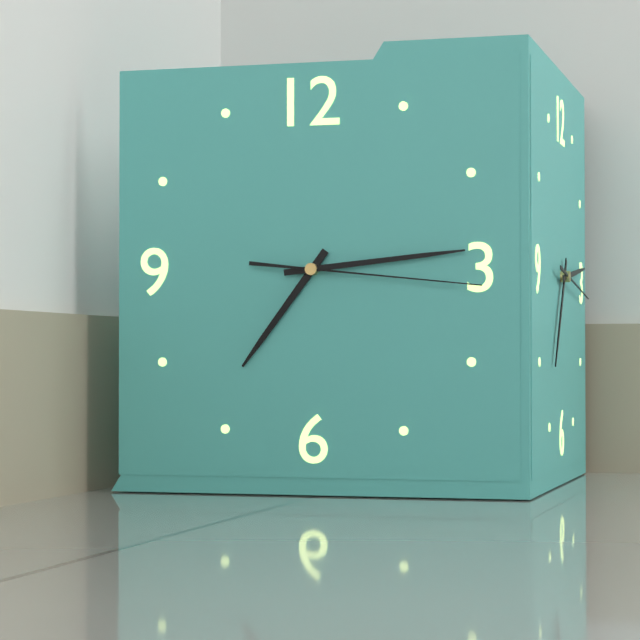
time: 7:14:16
